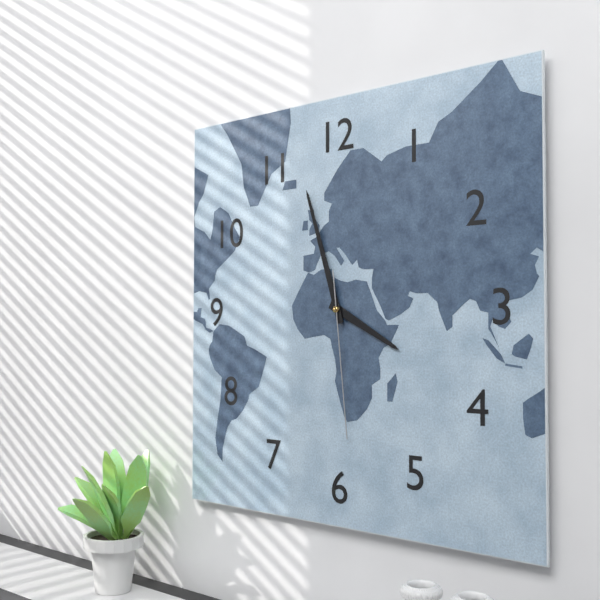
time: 3:57:29
